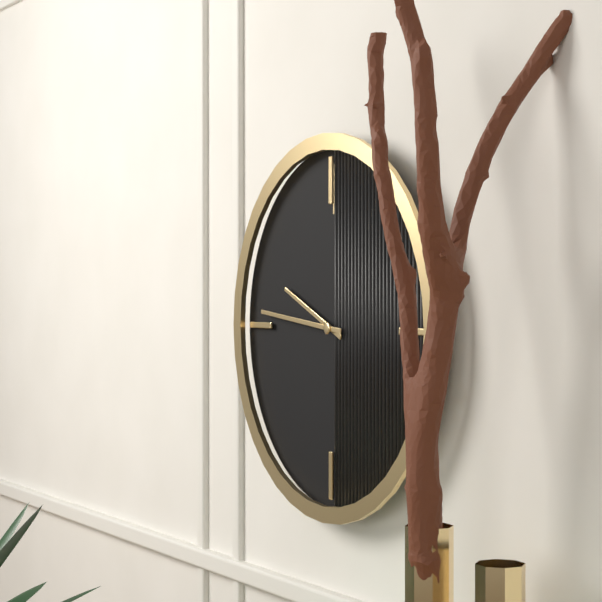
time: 9:46
